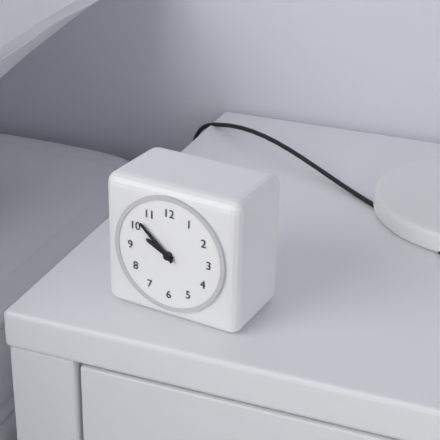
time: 9:52
